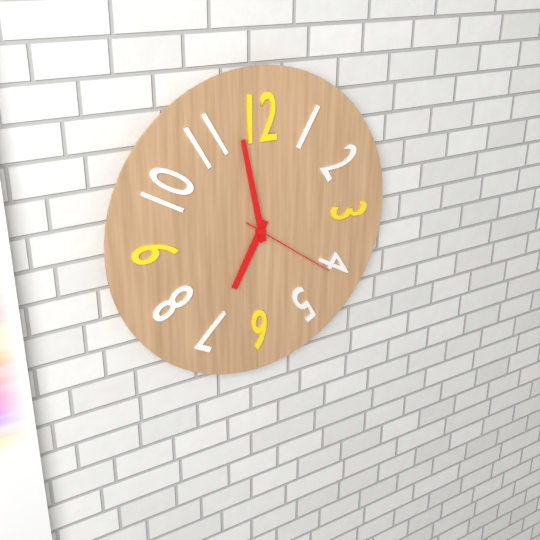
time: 6:58:21
